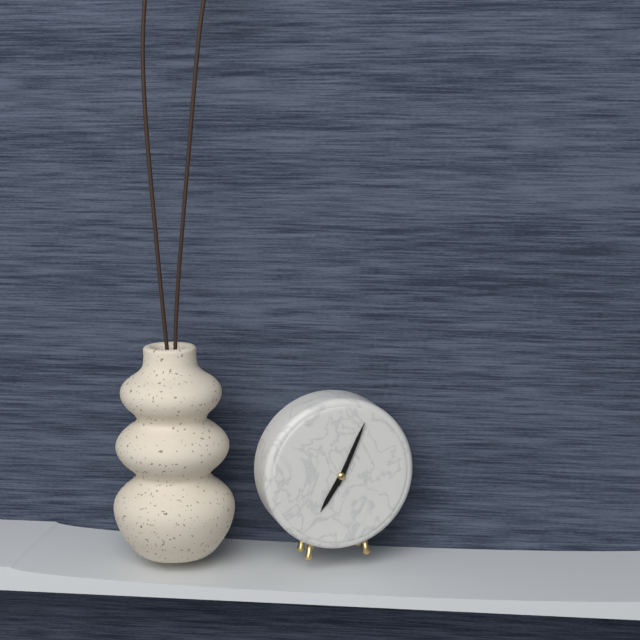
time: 7:04
